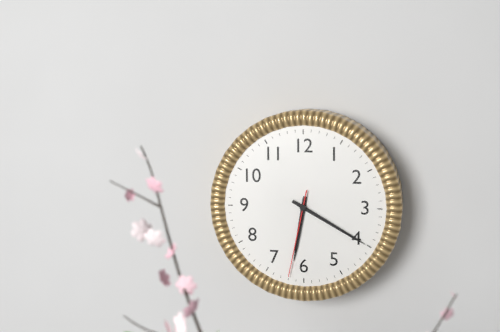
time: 6:20:32
